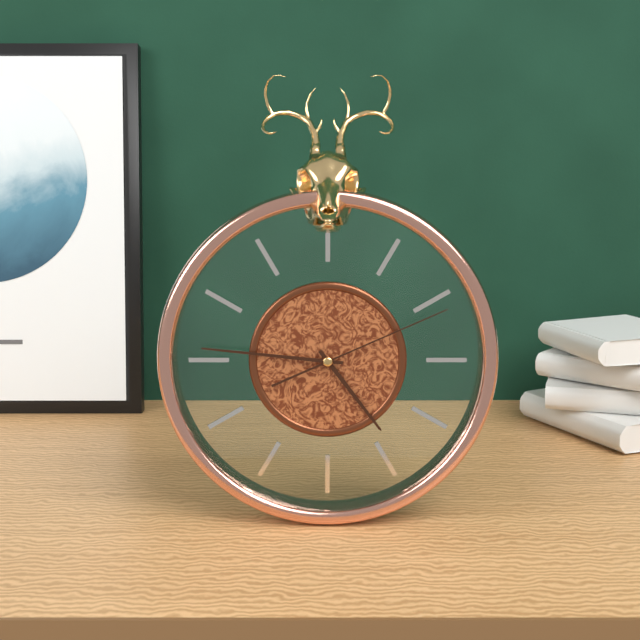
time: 4:46:11
